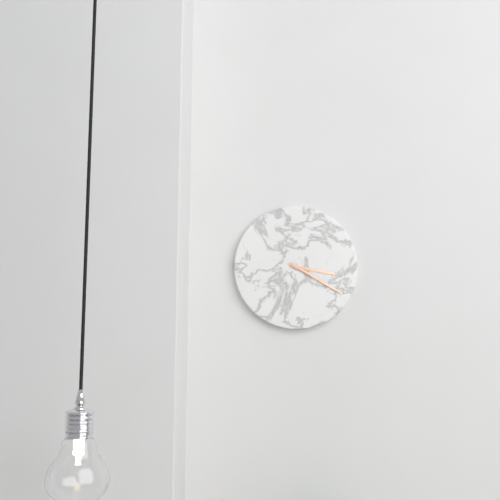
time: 3:20
